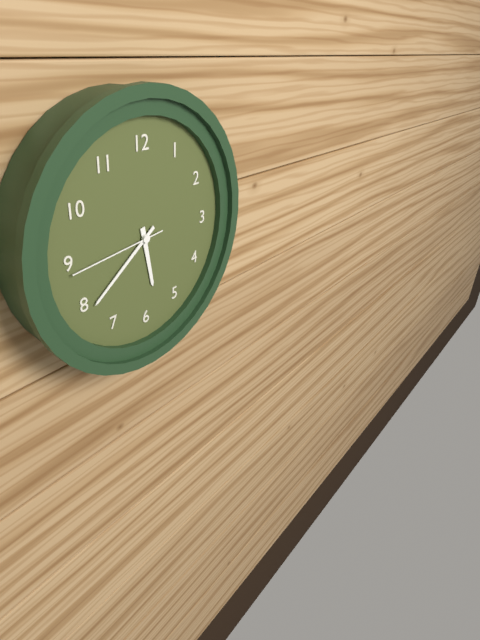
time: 5:39:44
